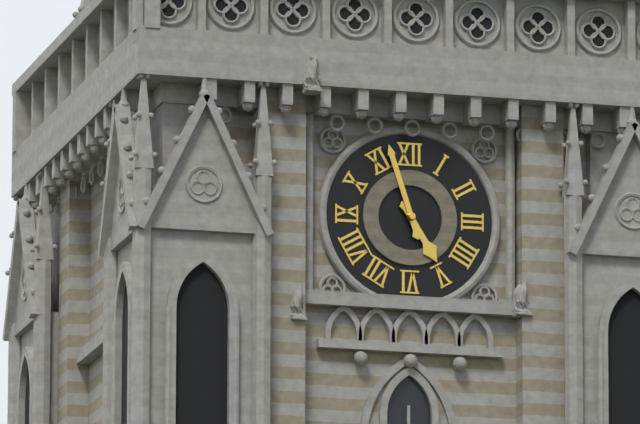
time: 4:57
